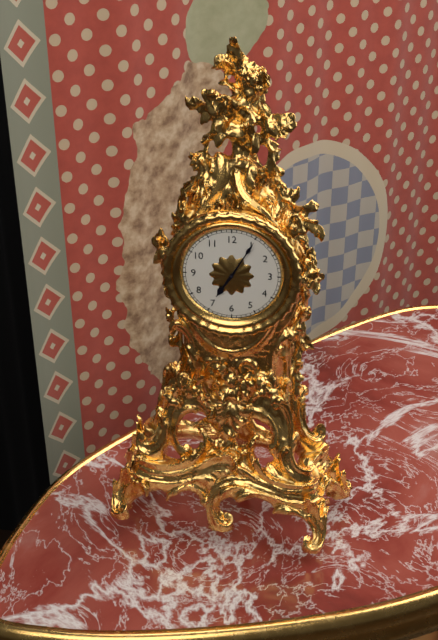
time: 7:05
